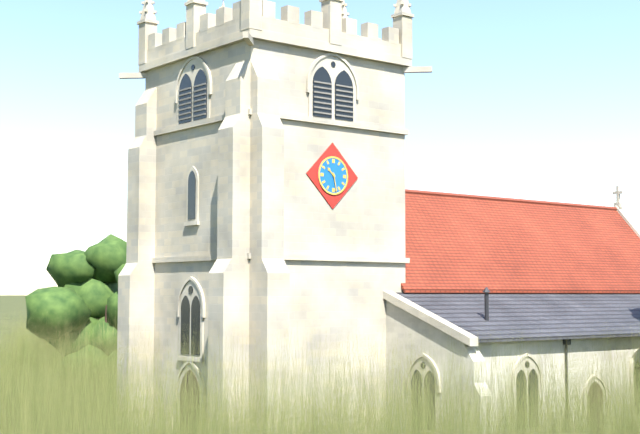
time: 10:28
